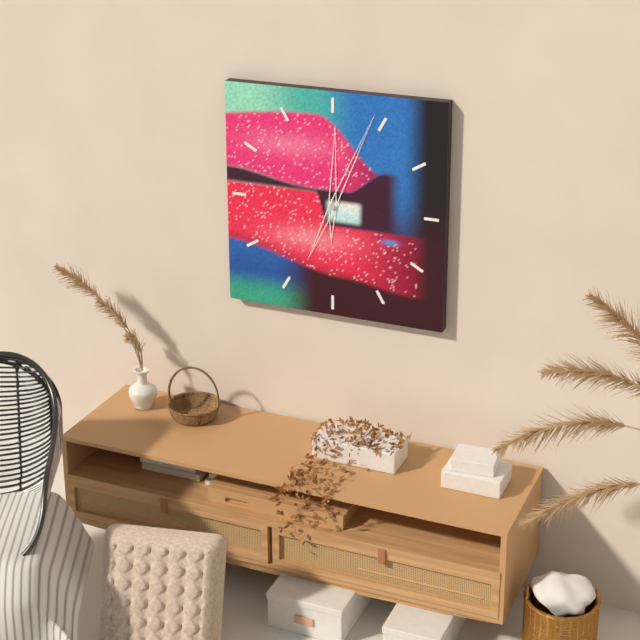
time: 12:04
